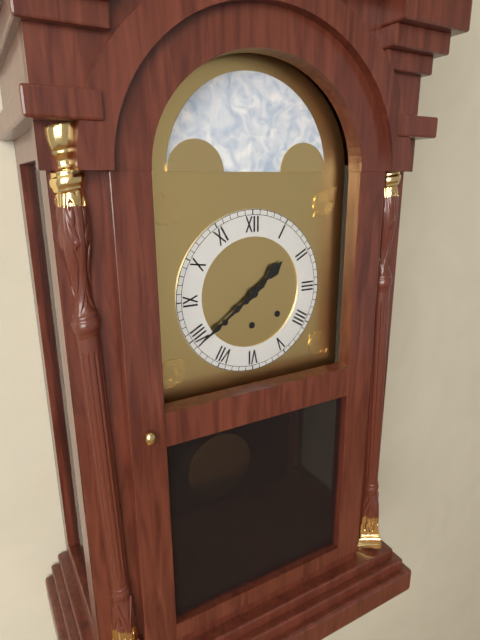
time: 1:39
